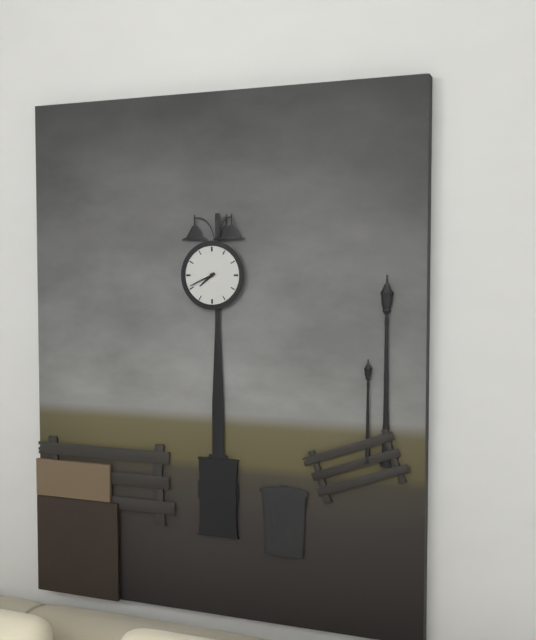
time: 7:41
